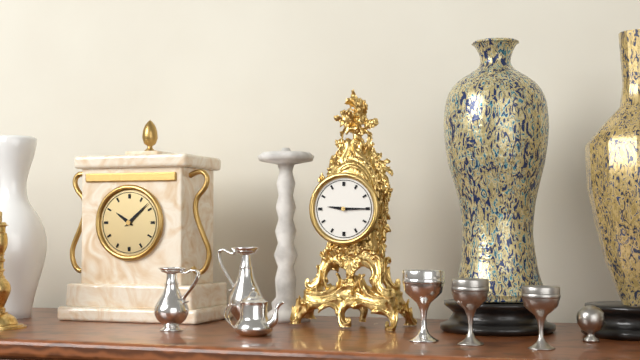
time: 9:15
